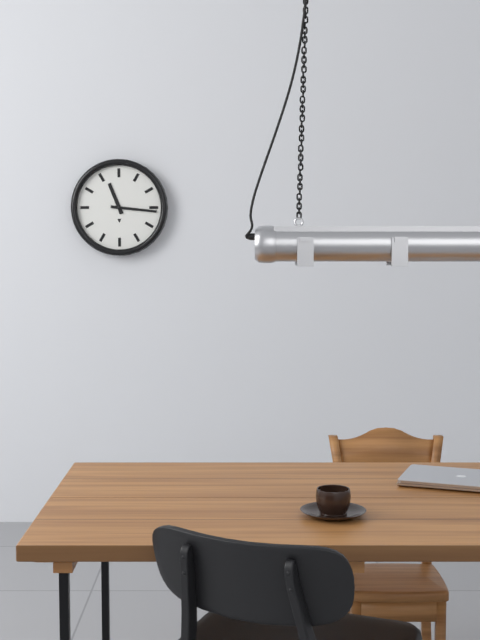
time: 11:16
